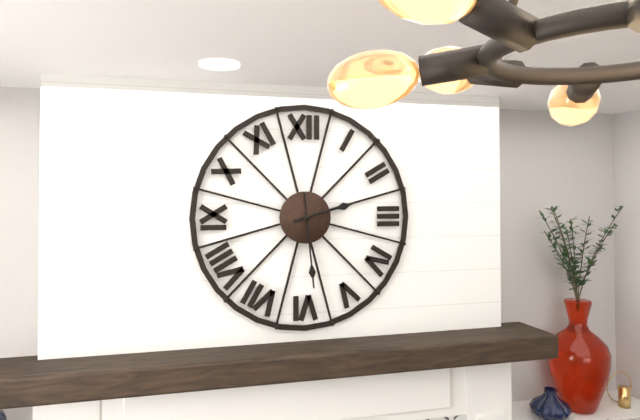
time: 2:29
